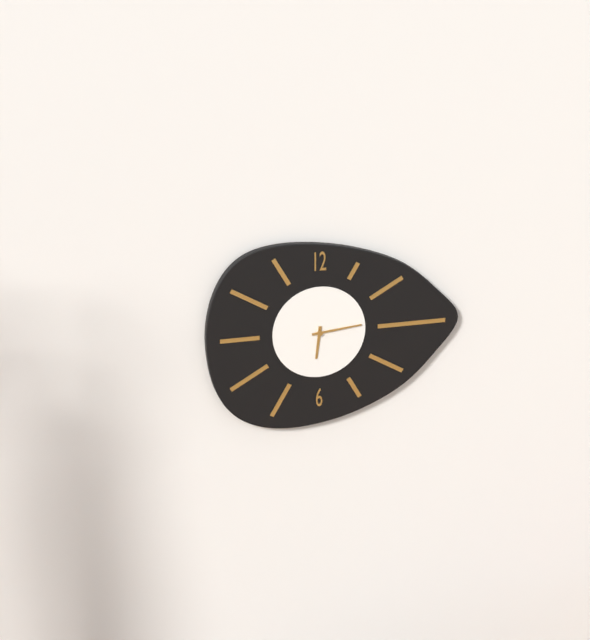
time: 6:14
